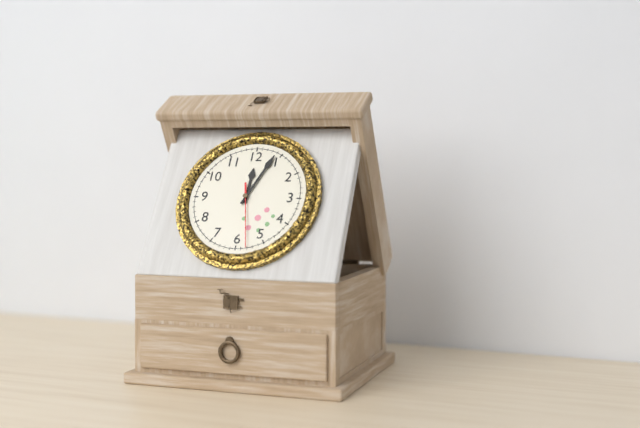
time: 12:04:28
